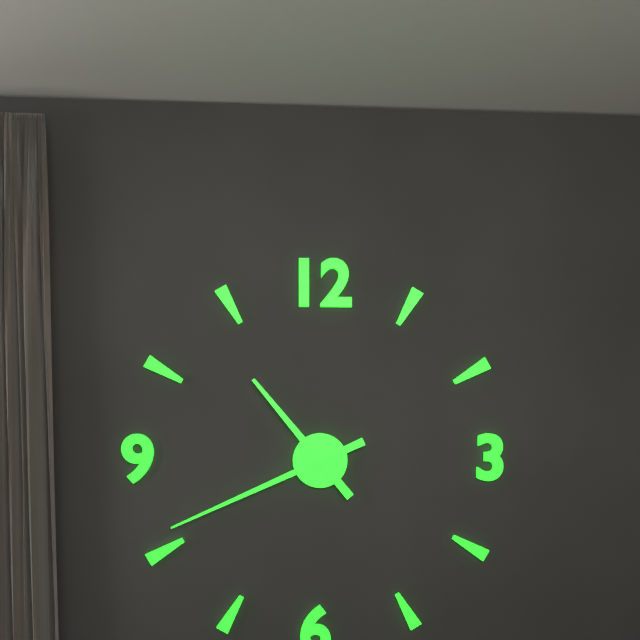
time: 10:41
